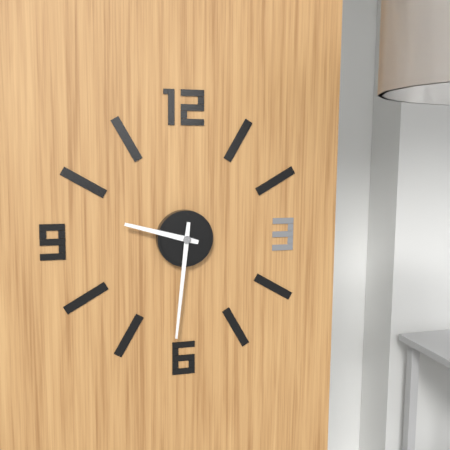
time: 9:31
